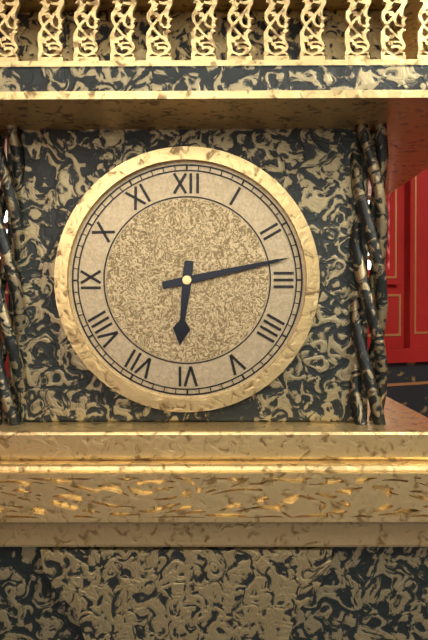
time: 6:13
